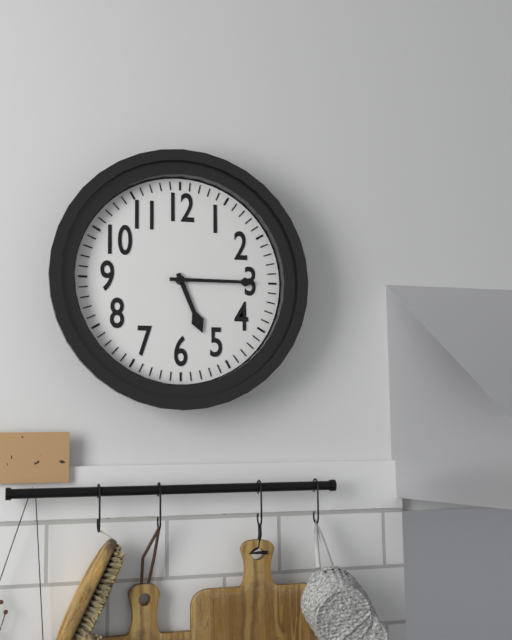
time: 5:15
